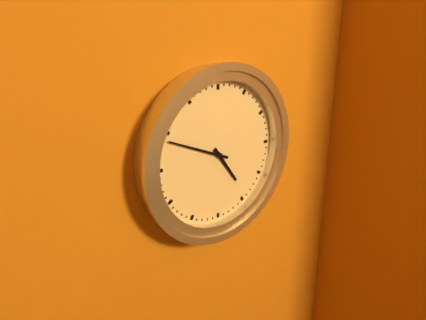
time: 4:49
